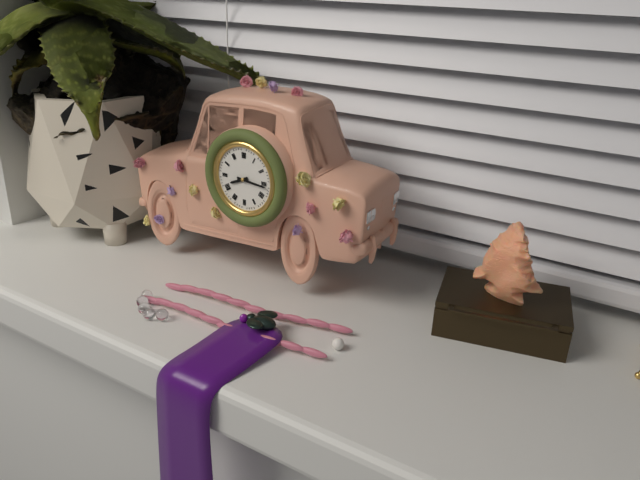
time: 8:16
